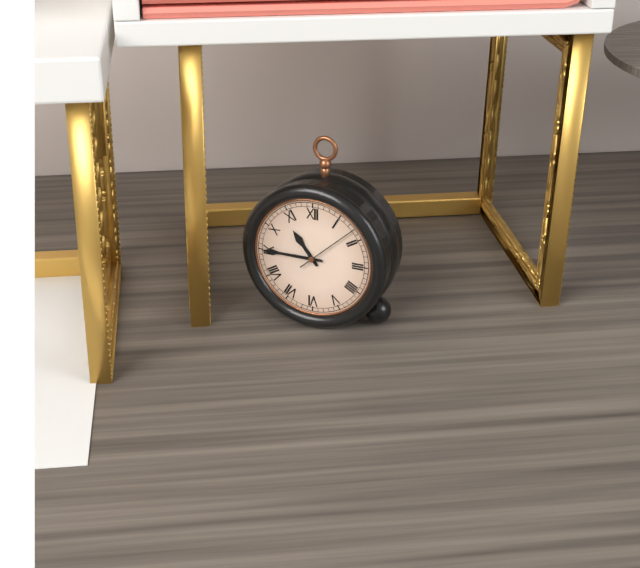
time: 10:45:08
